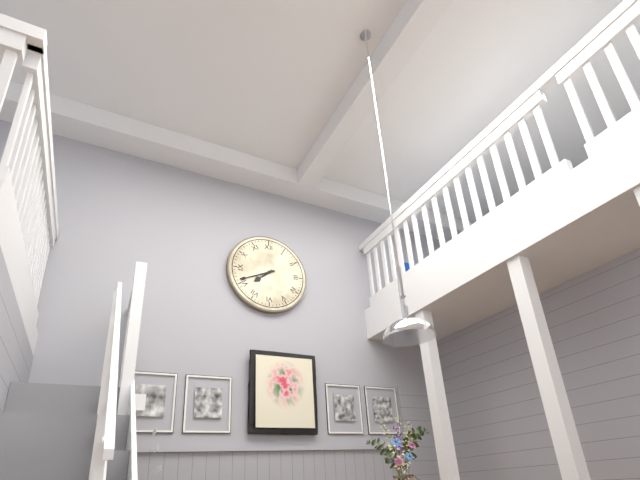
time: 7:41
